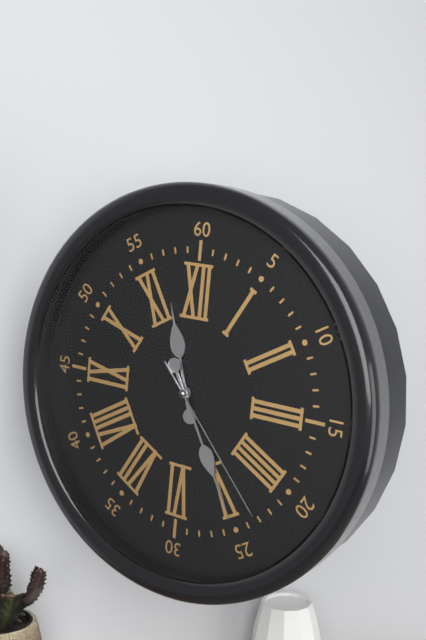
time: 11:25:23
